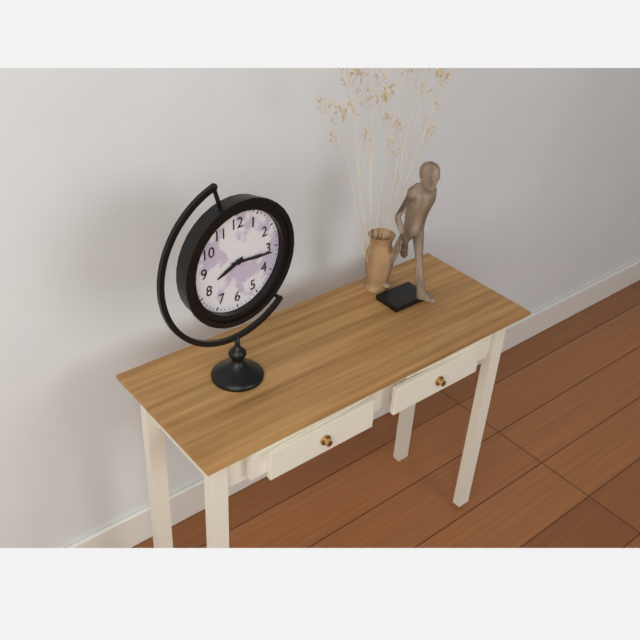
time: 8:16
